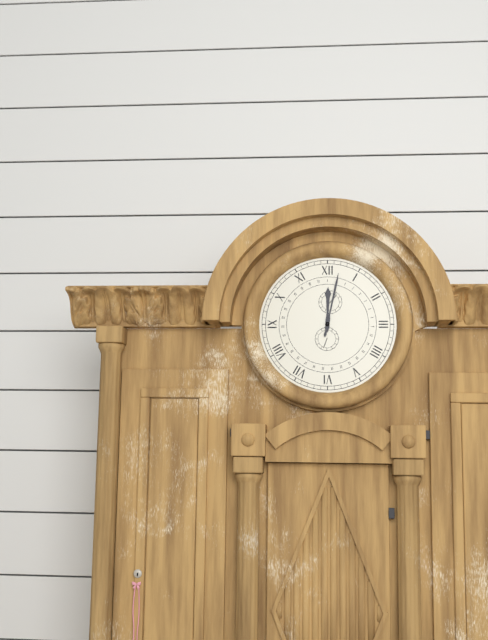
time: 12:02
